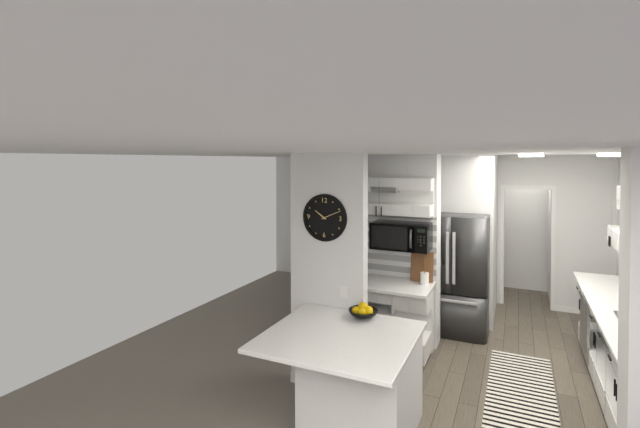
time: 10:11
